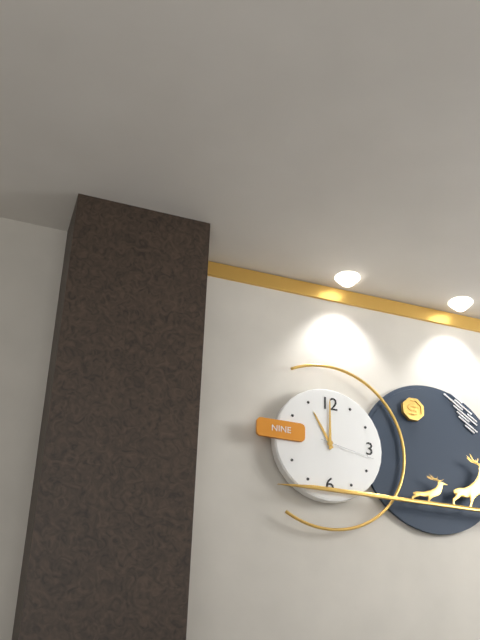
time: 11:00:17
